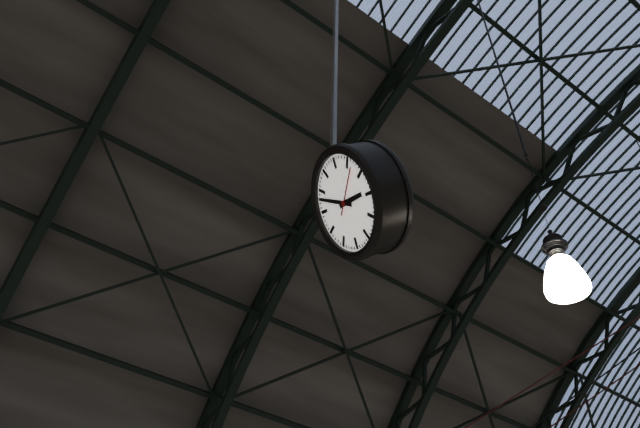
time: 3:53
